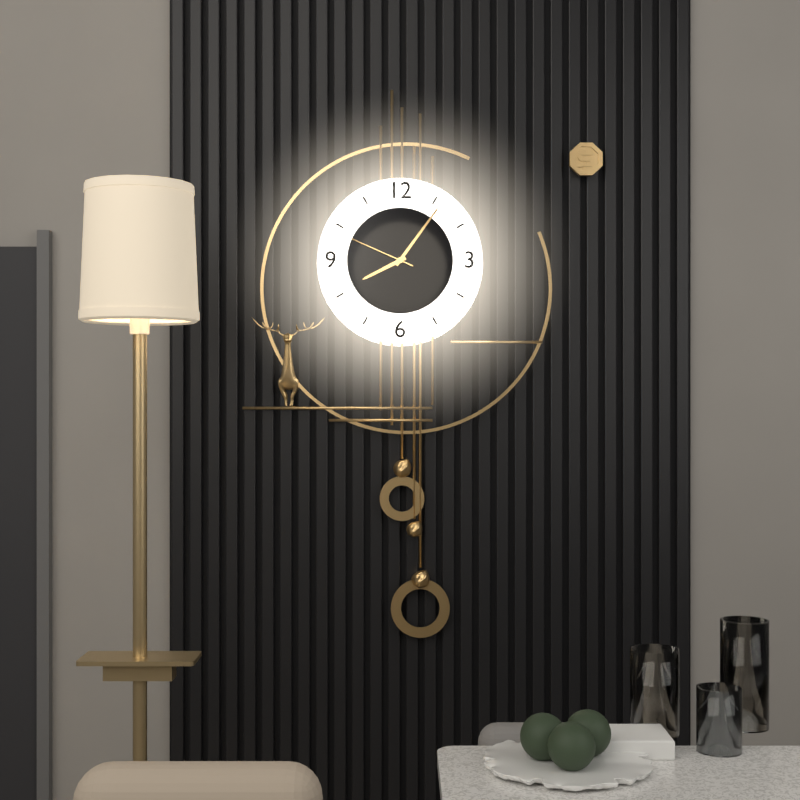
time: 8:06:49
